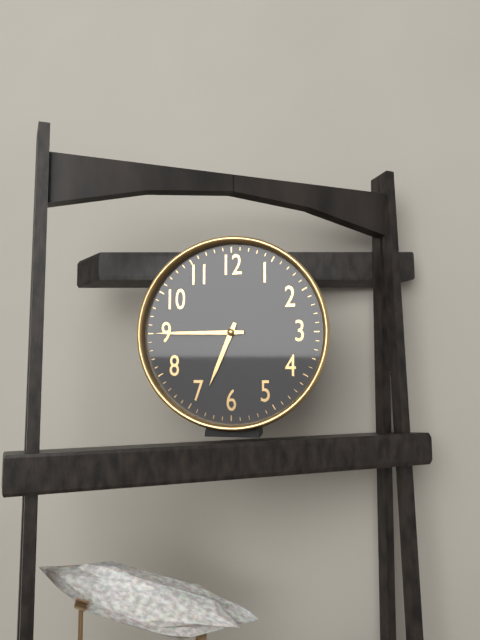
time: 6:45
